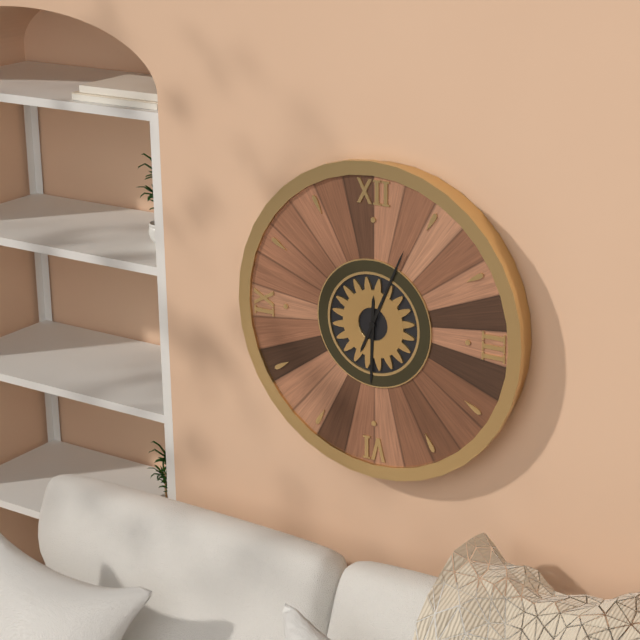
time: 6:04
